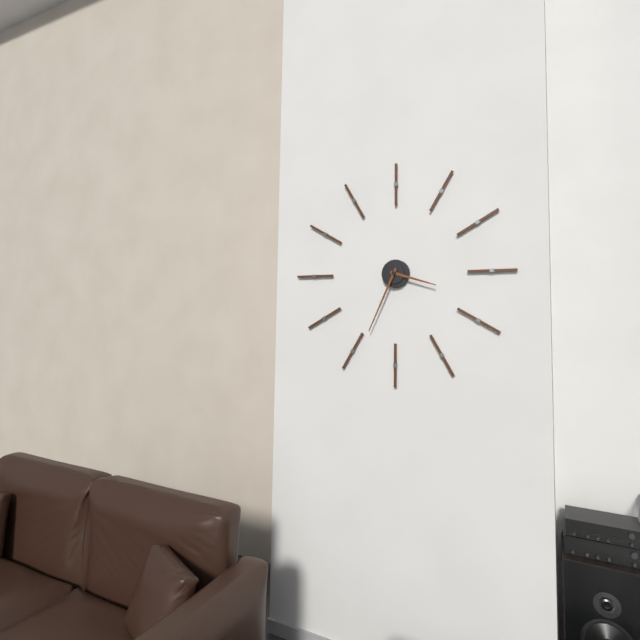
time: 3:34
